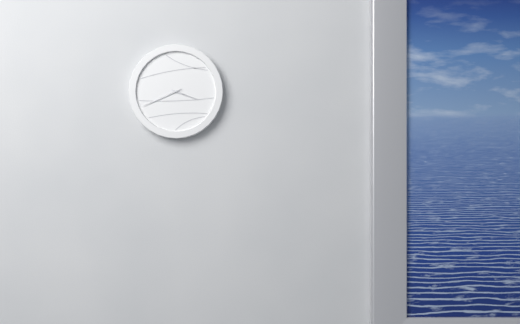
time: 3:41
